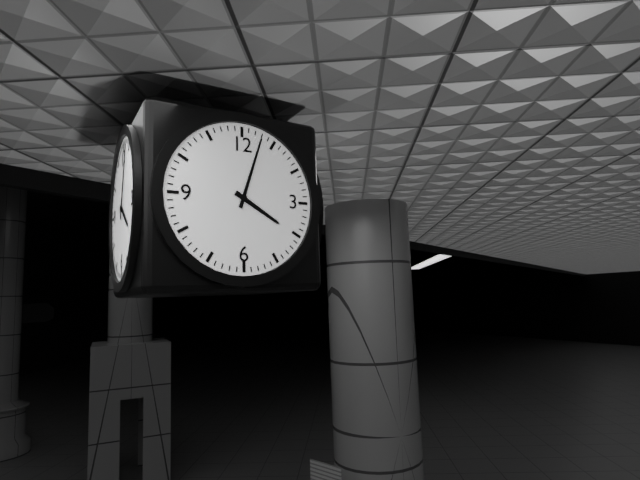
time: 4:03
